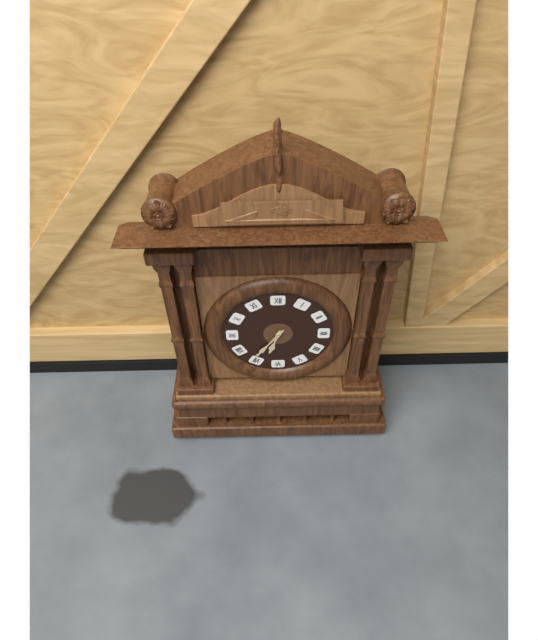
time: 6:36
